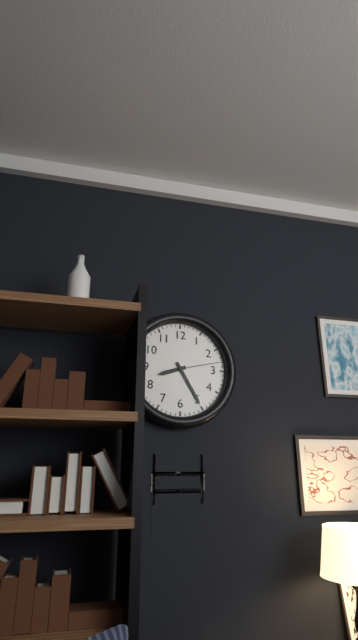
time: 8:25:13
